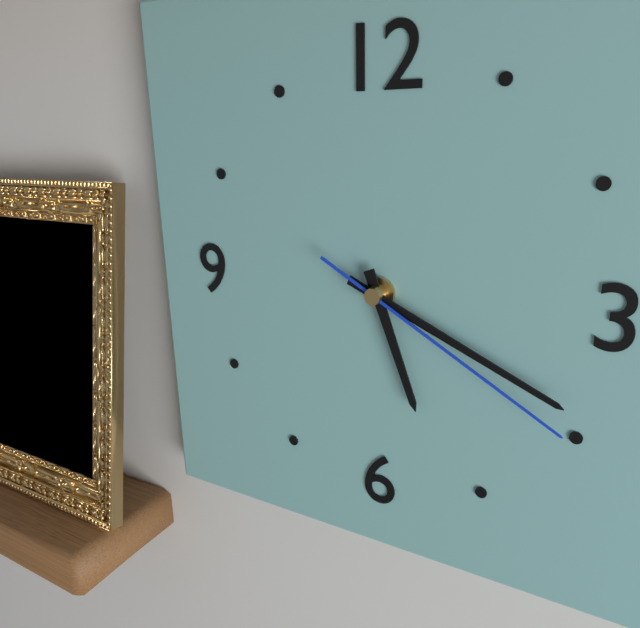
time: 5:19:20
